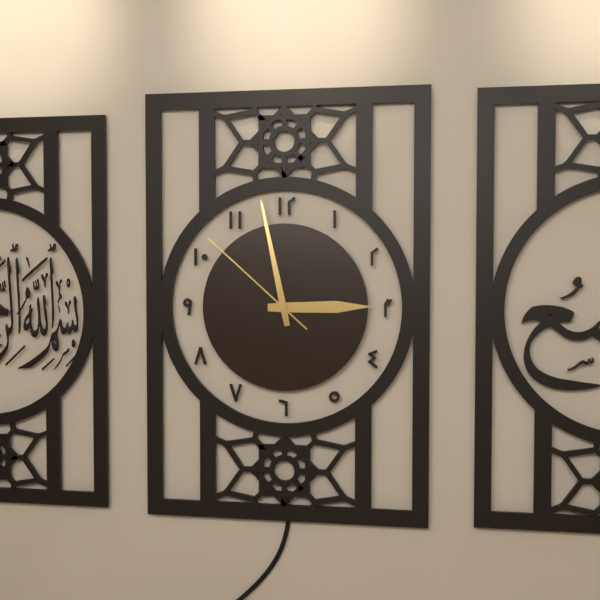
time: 2:58:52
